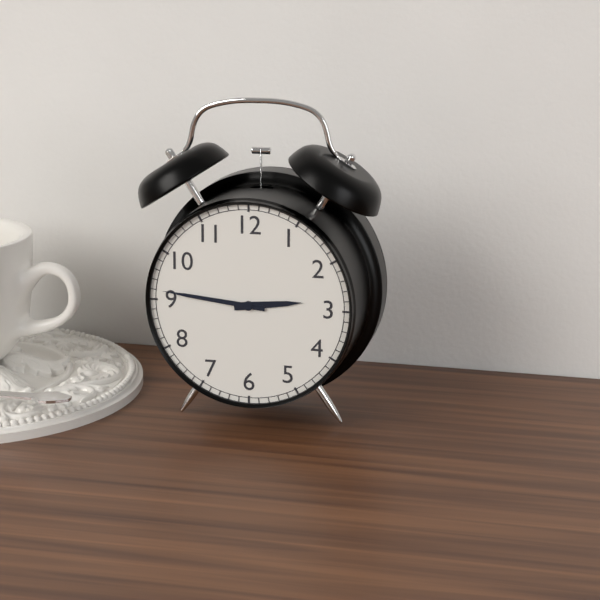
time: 2:46
